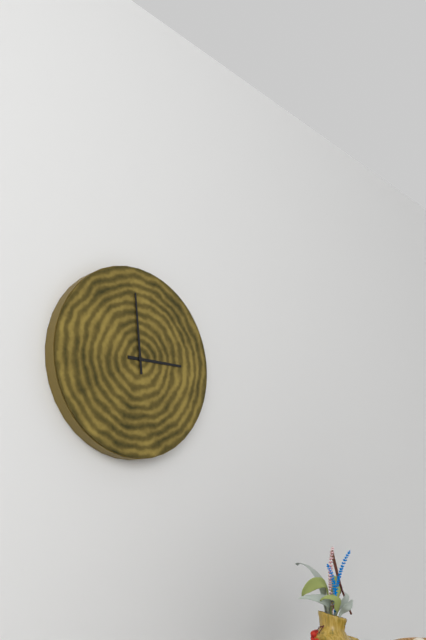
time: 2:59
